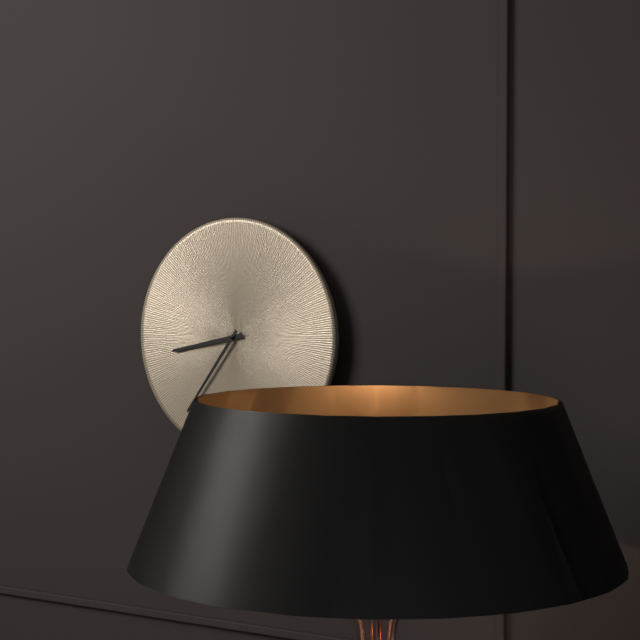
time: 8:36
